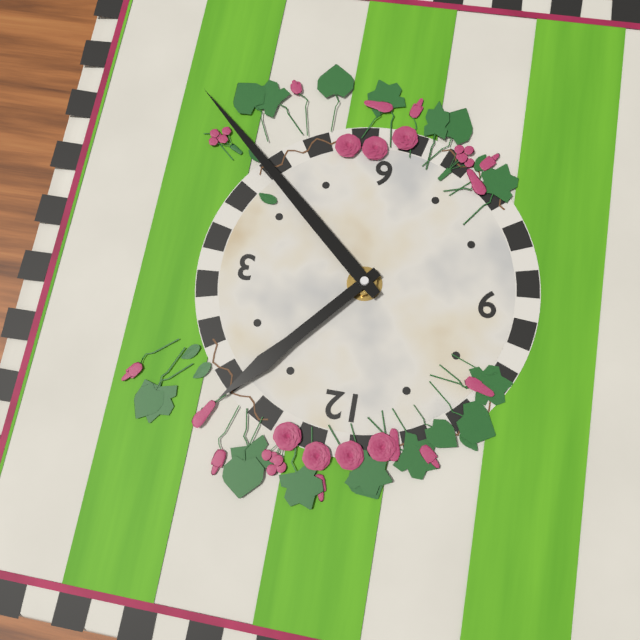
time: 1:22
